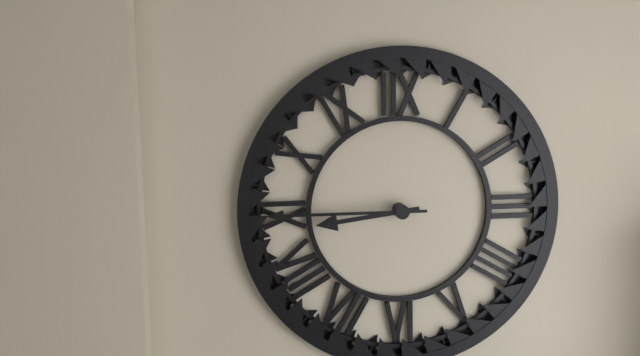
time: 8:45
